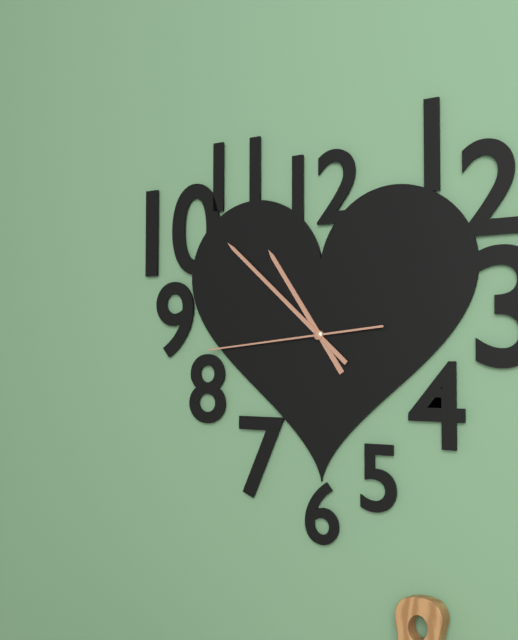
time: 10:52:44
